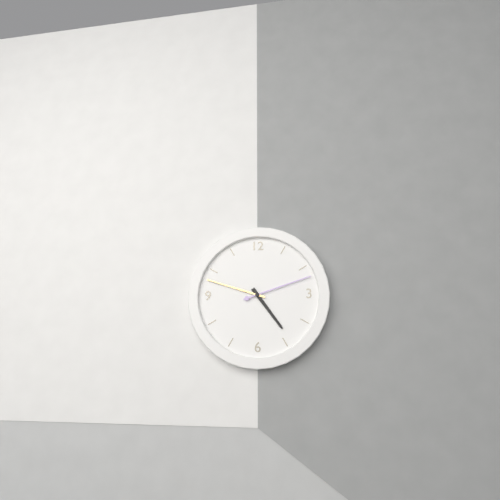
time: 4:48:12
